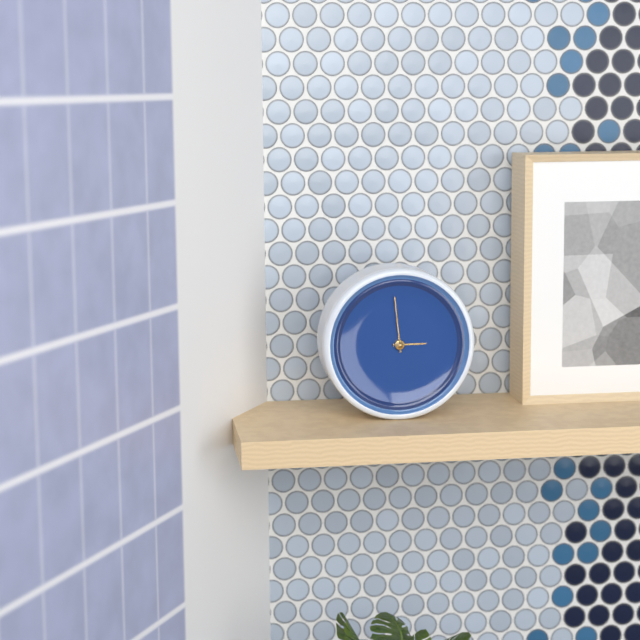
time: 2:59
